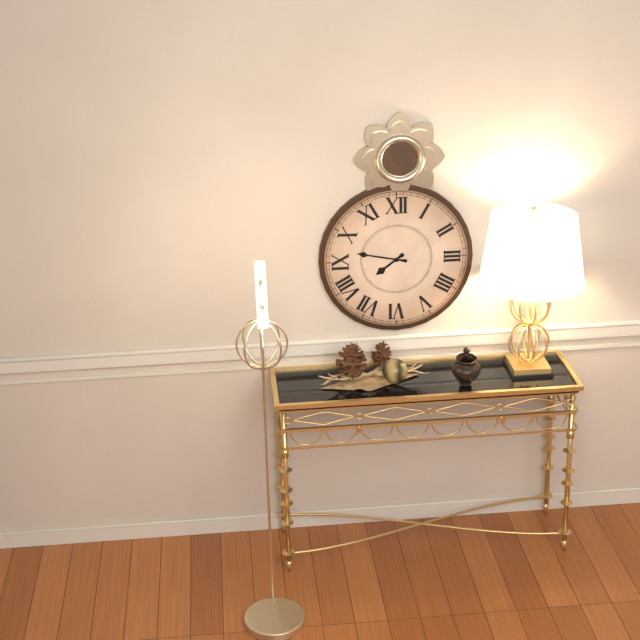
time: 7:47
